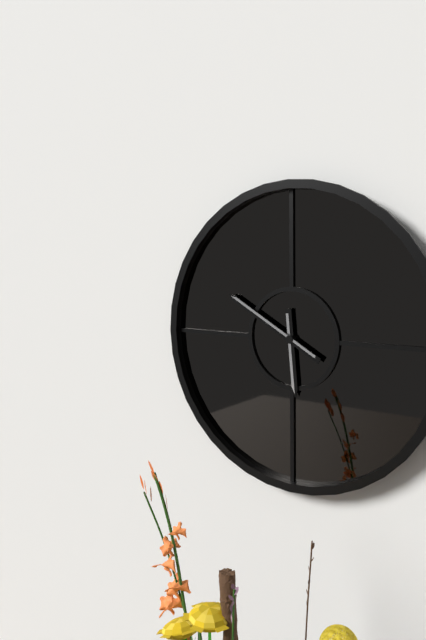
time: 5:50
